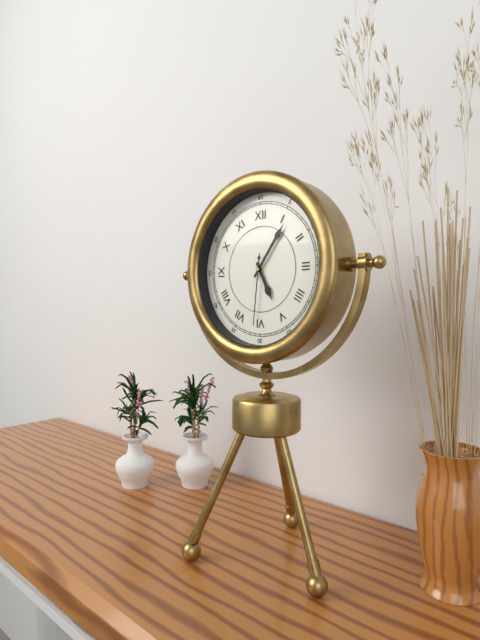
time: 5:06:31
